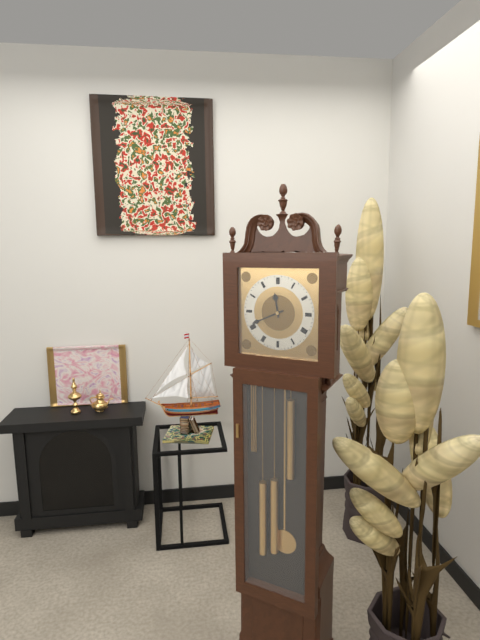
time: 11:41
